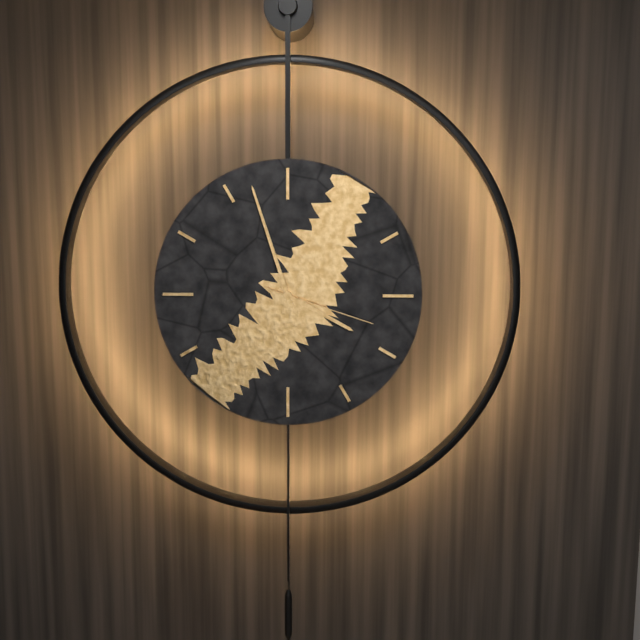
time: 3:57:18
